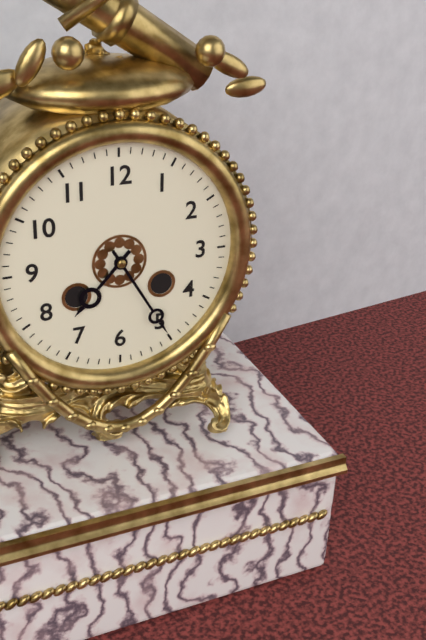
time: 7:25
